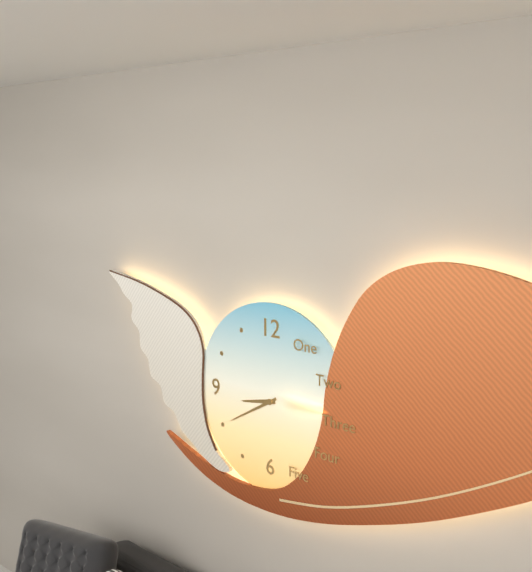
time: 8:40
